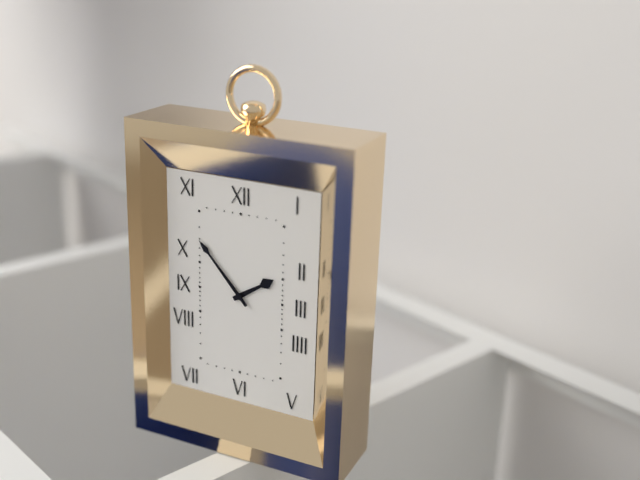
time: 1:53
